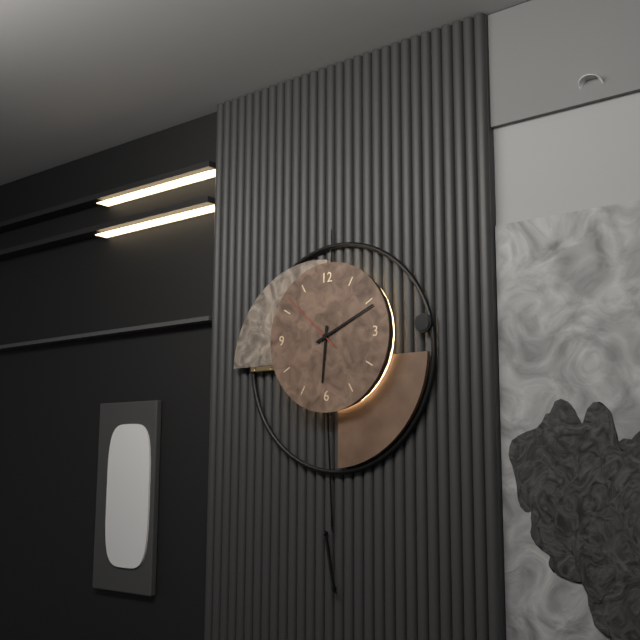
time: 6:11:52
